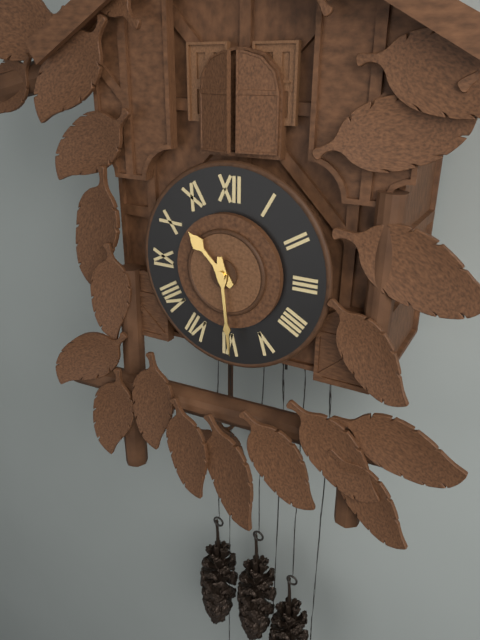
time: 10:29
